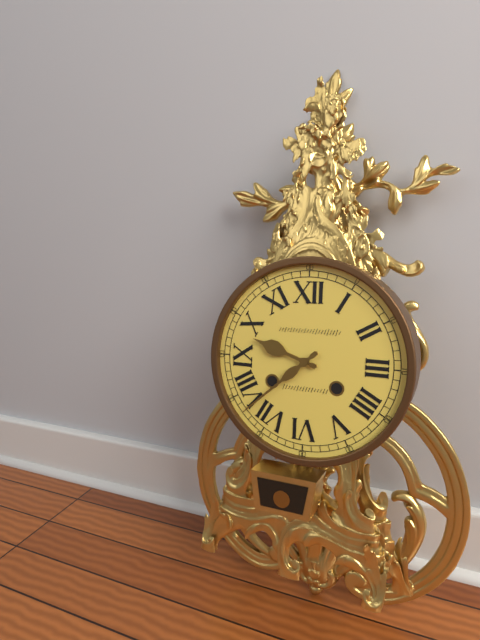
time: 9:38
